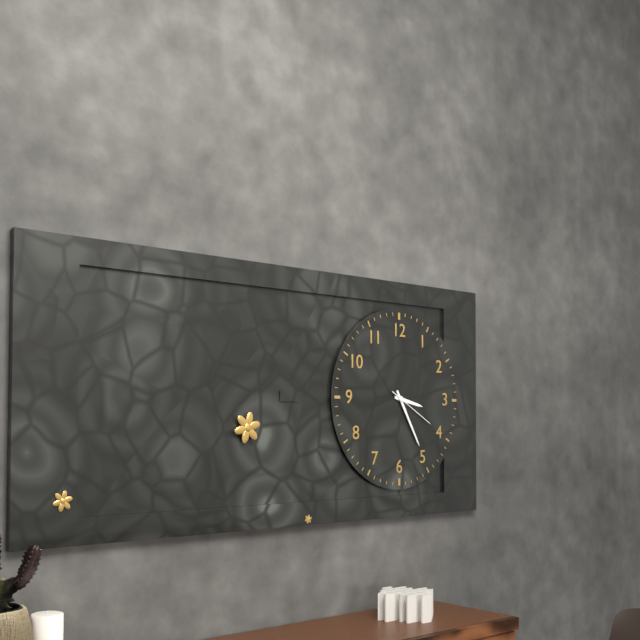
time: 3:25
